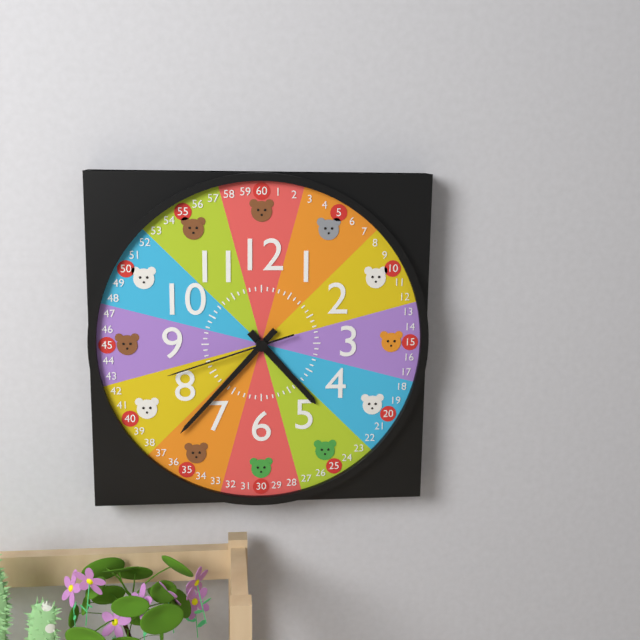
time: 4:37:42
